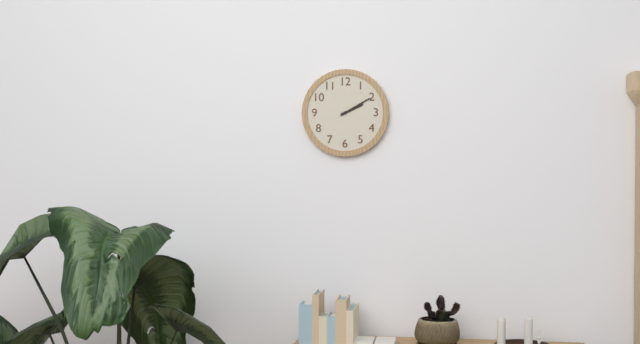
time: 2:10
